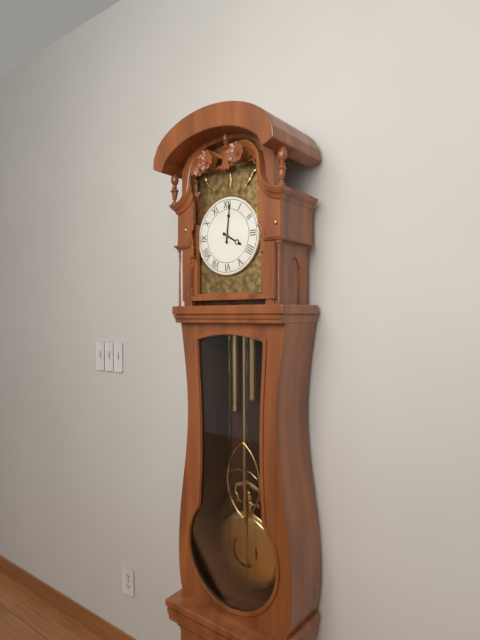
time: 4:01
